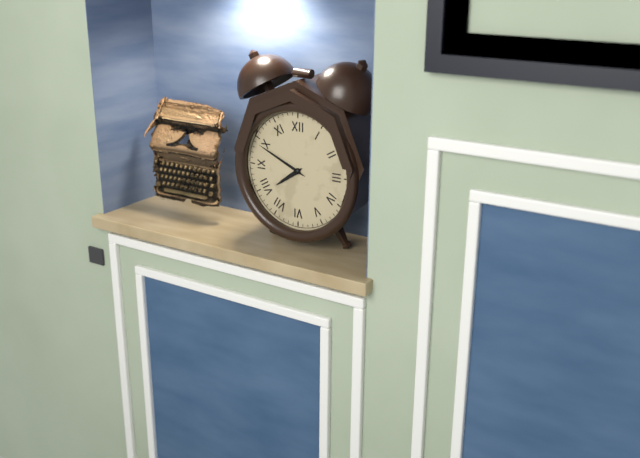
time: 7:49
